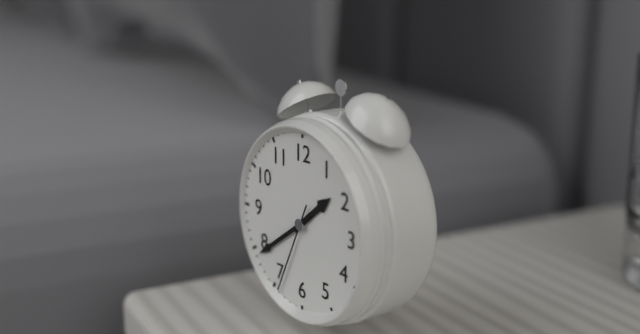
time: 1:39:34
